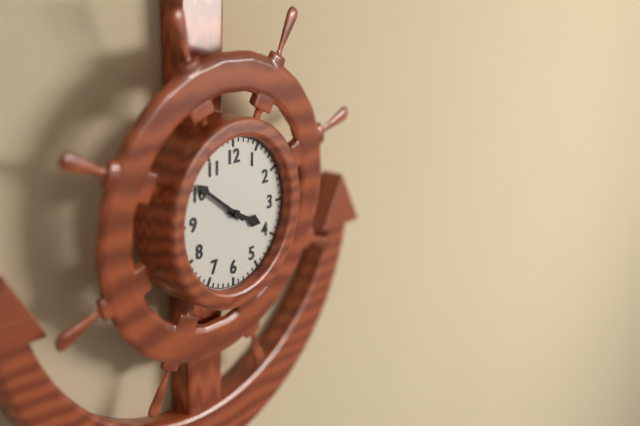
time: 3:51
